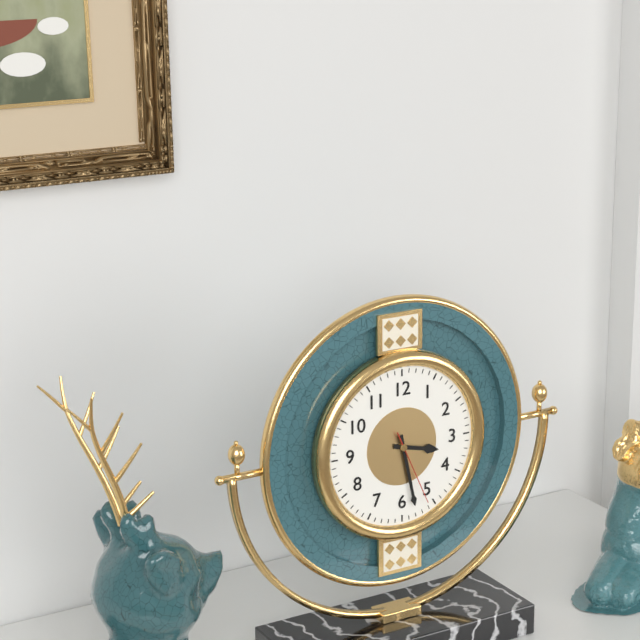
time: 3:28:26
